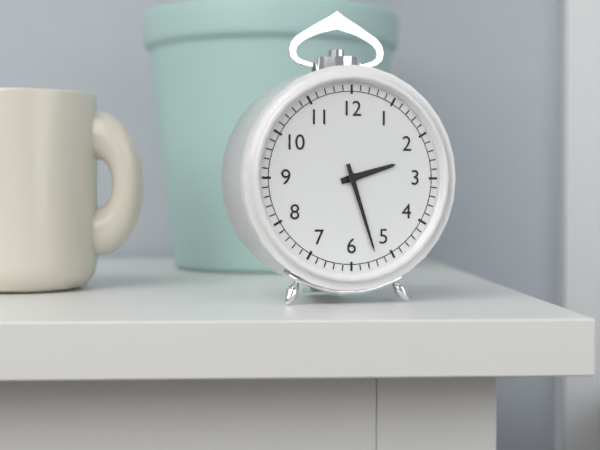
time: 2:27
